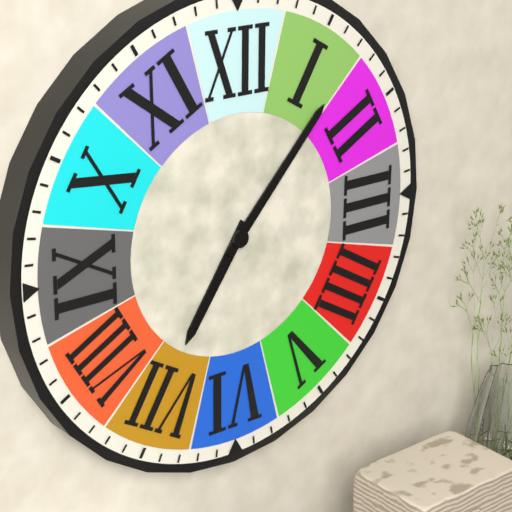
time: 7:07
